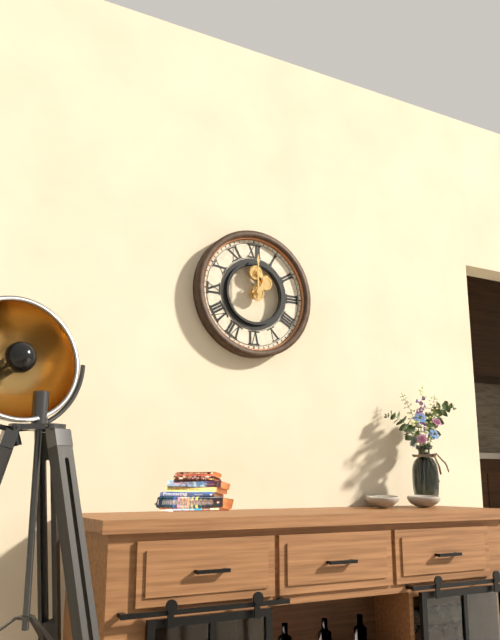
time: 1:00
